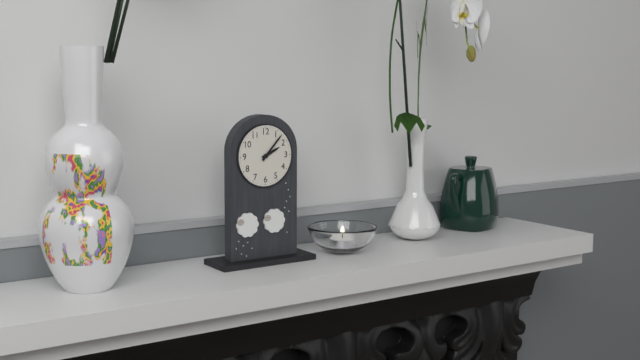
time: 2:07
